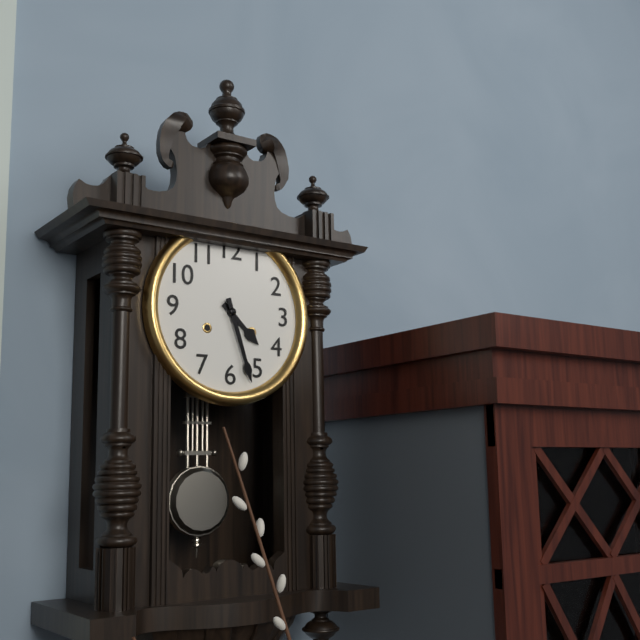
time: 4:27
